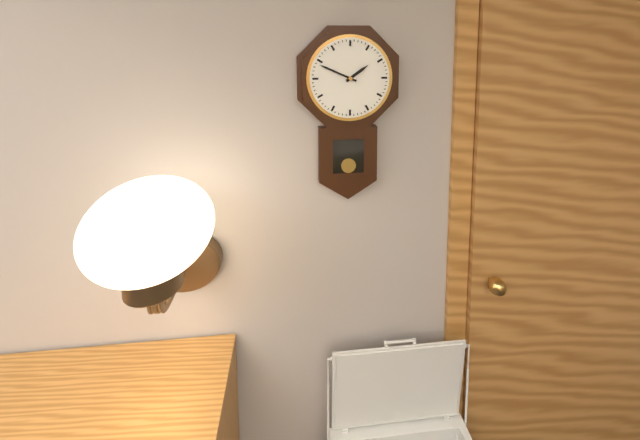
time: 1:49
